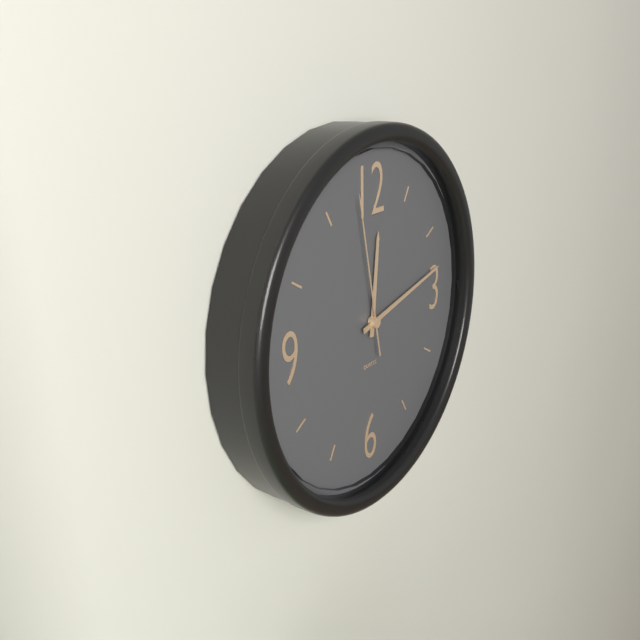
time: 12:13:58
